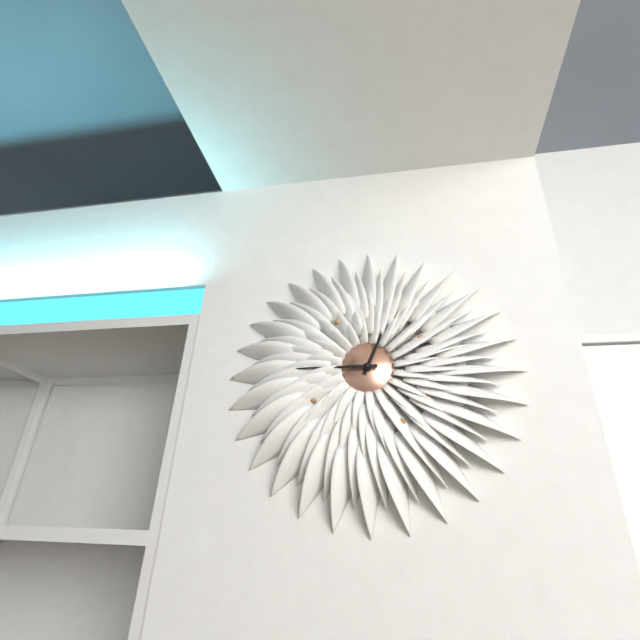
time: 12:45
